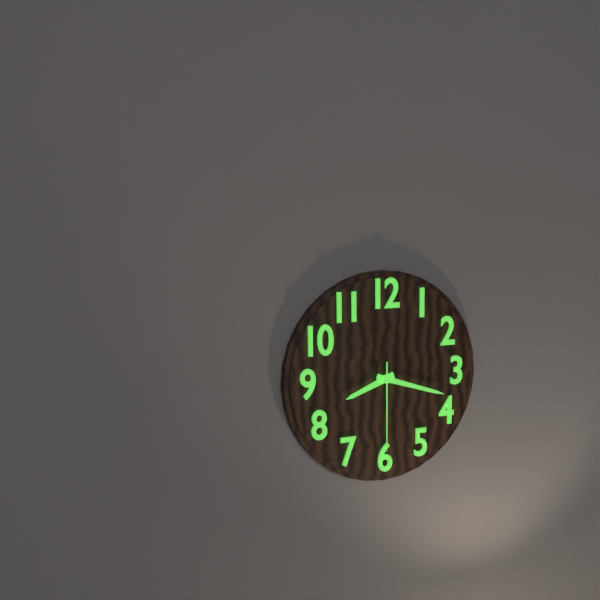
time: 8:18:30
